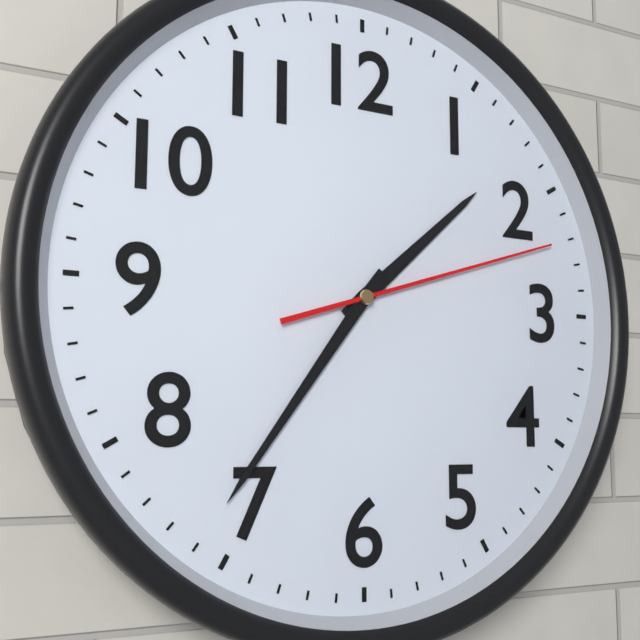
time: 1:36:12
